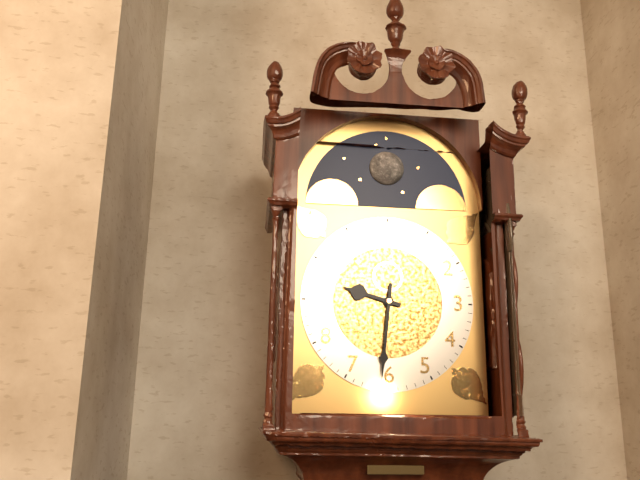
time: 9:31
